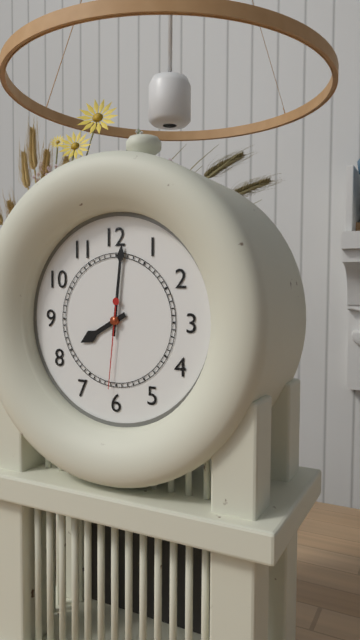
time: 8:01:31
